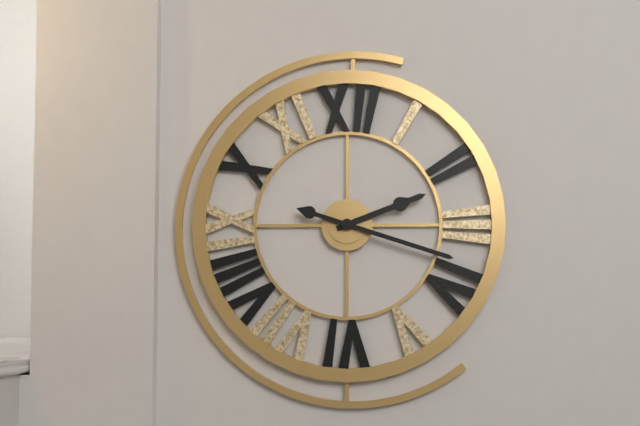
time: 2:18
